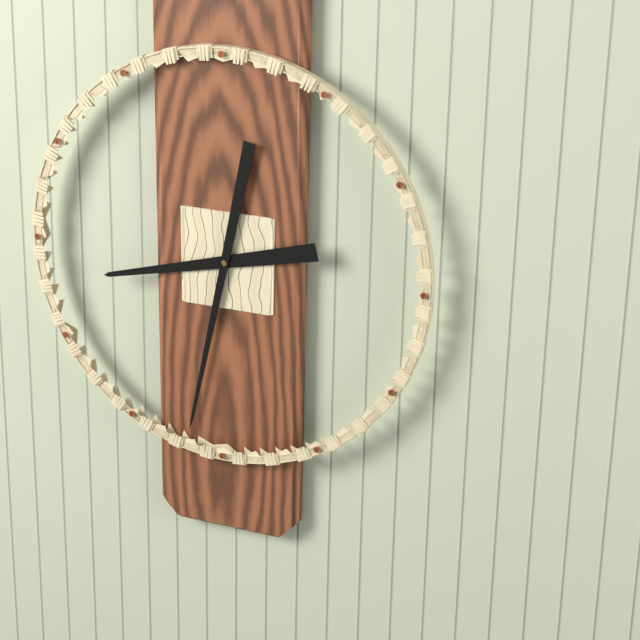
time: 8:32
